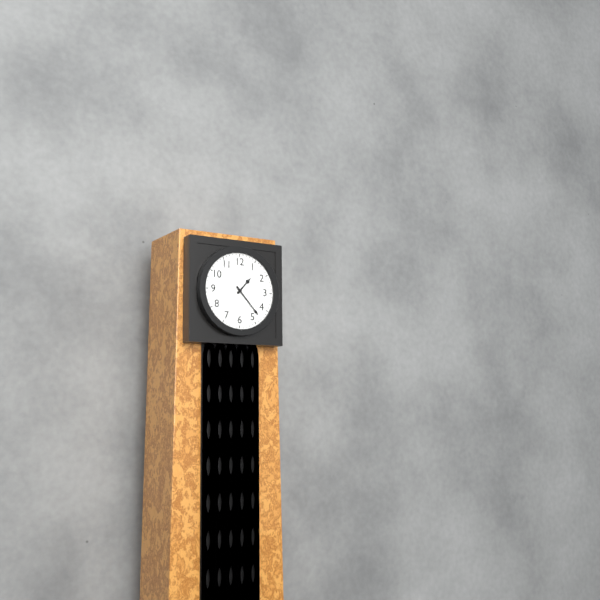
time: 1:23
